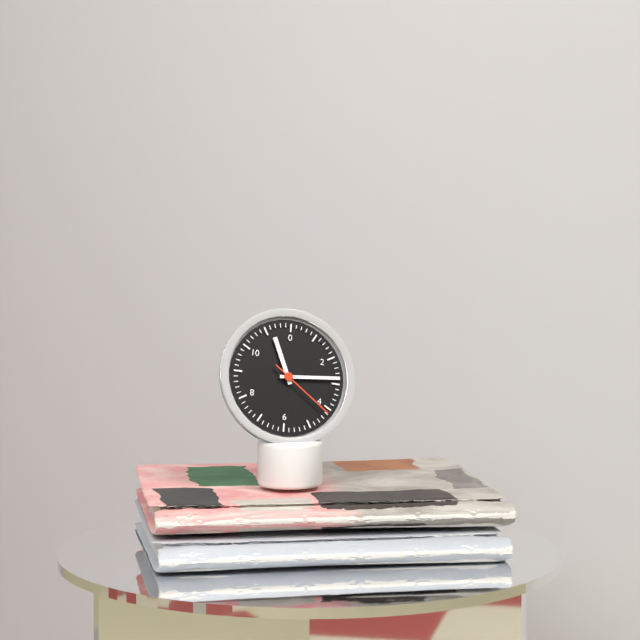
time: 11:14:21
